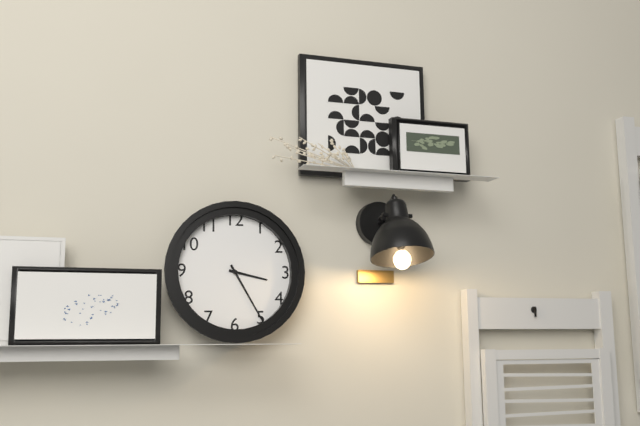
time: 3:25
